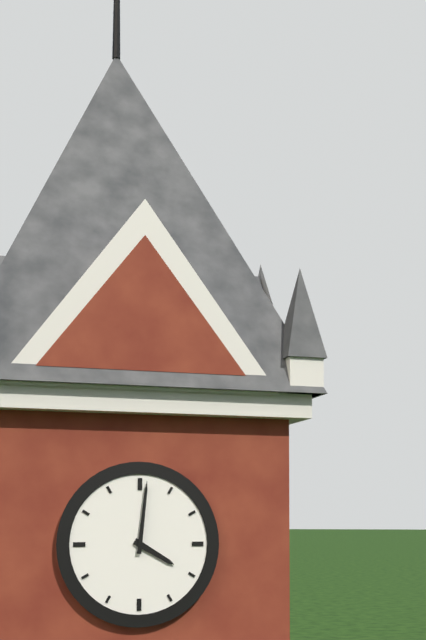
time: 4:01
